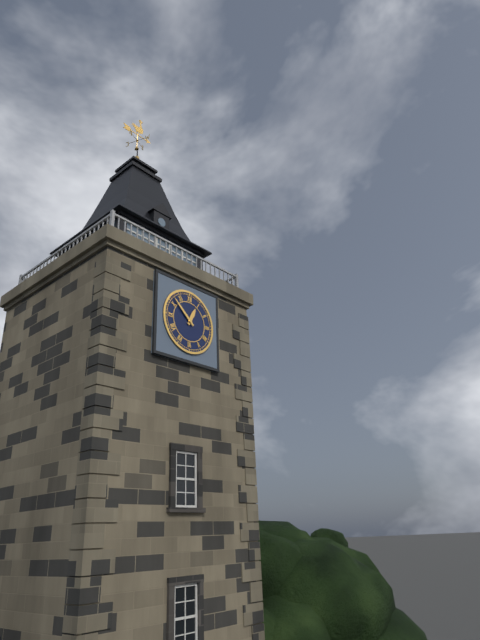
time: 12:52
